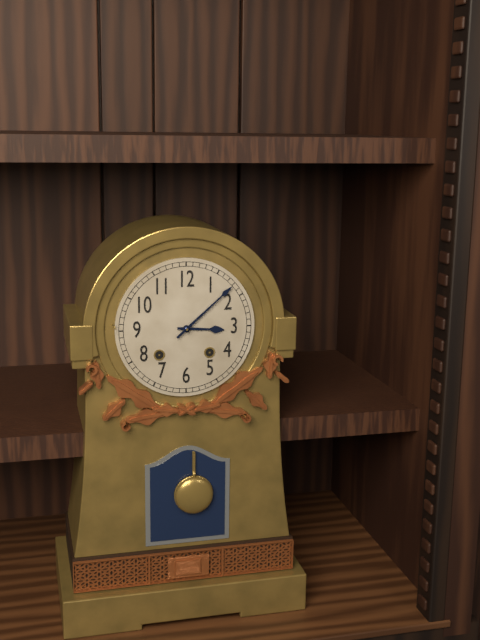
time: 3:08
